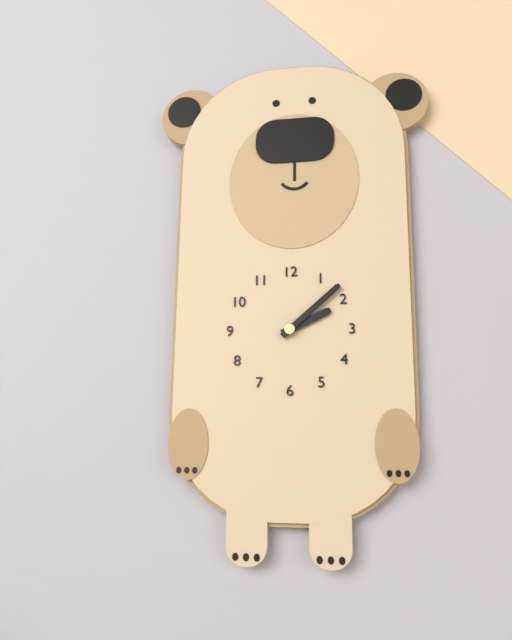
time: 2:08
